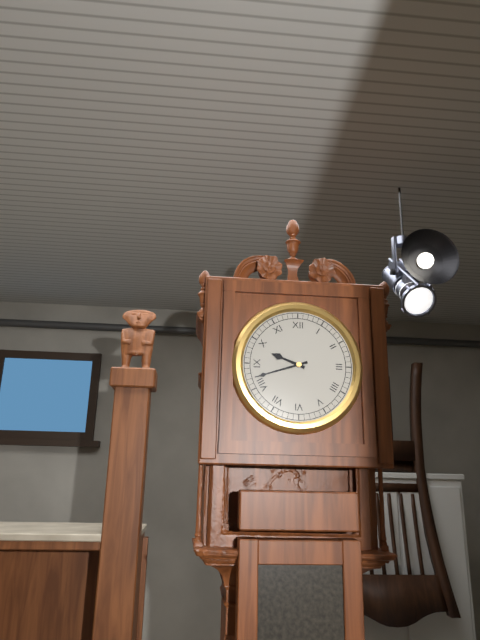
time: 9:42
